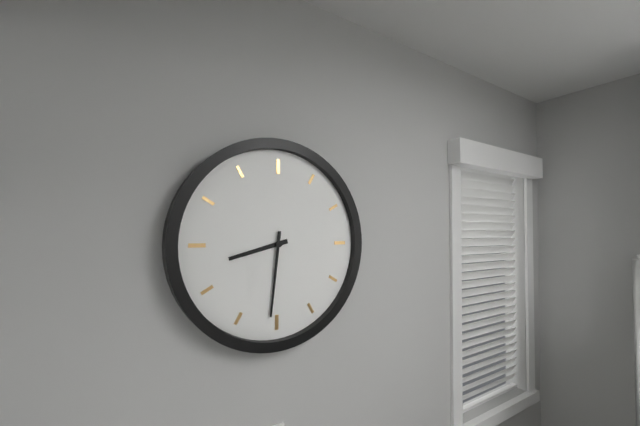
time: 8:31
